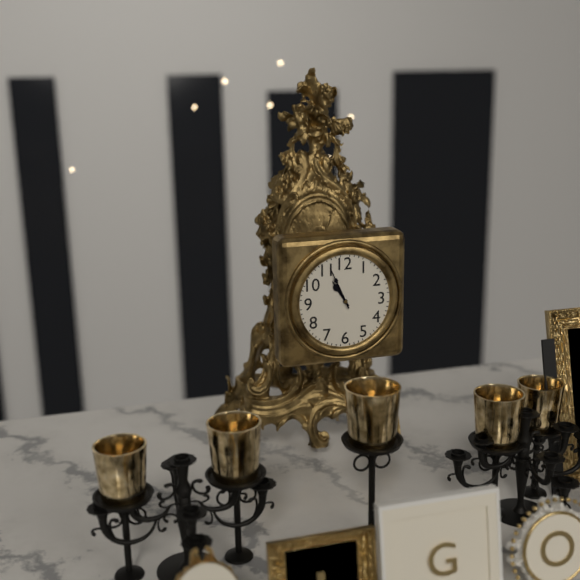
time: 10:56
